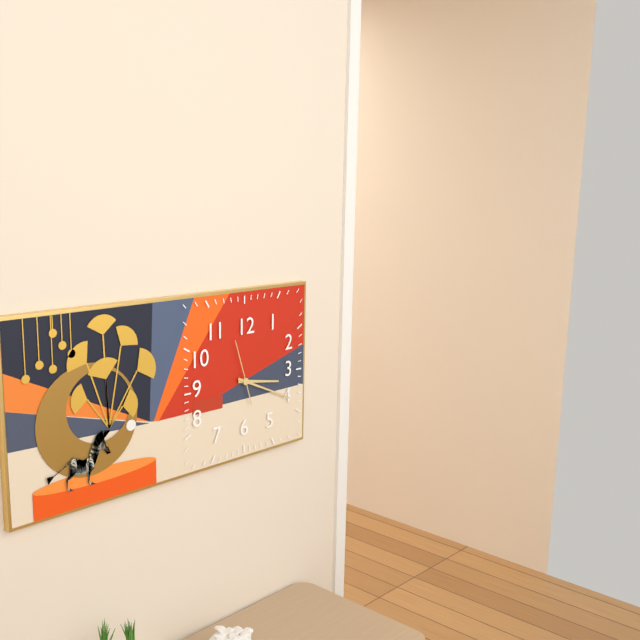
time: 3:19:57
